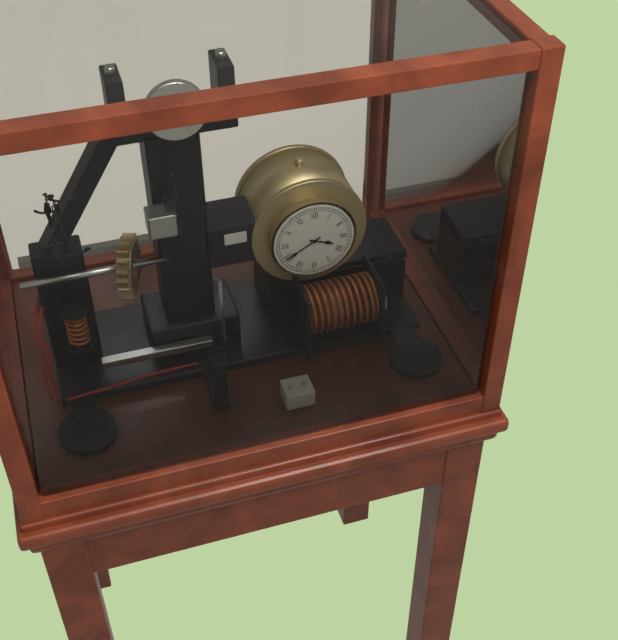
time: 3:40
